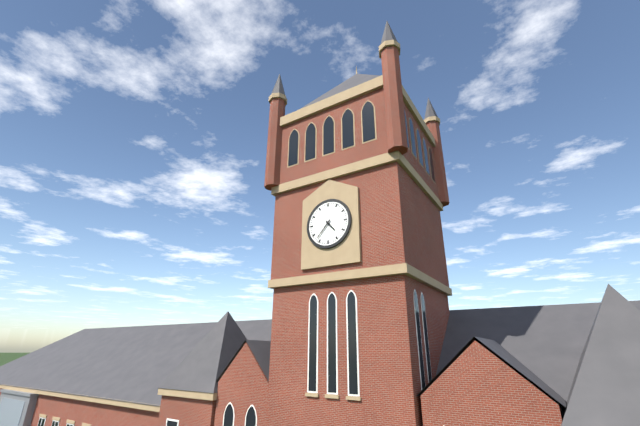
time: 4:37
